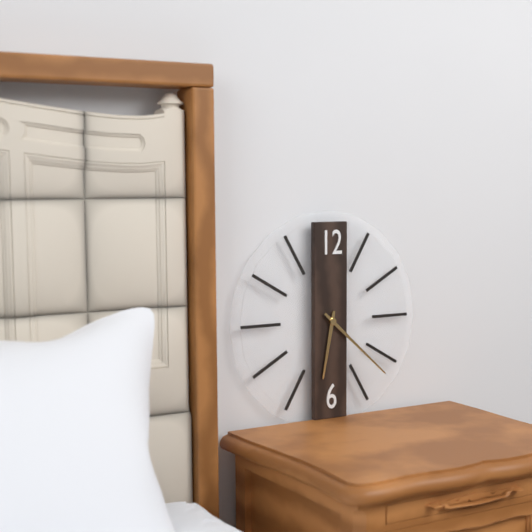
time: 6:22
